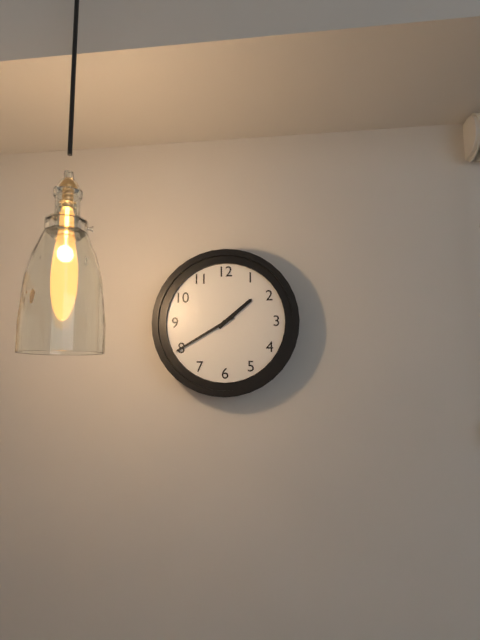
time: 1:40
